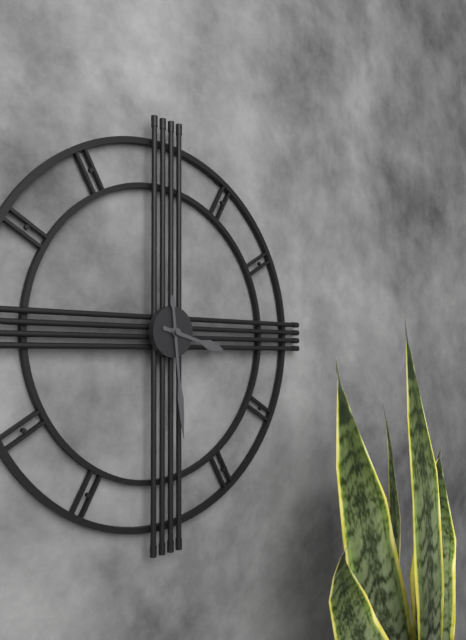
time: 3:29
